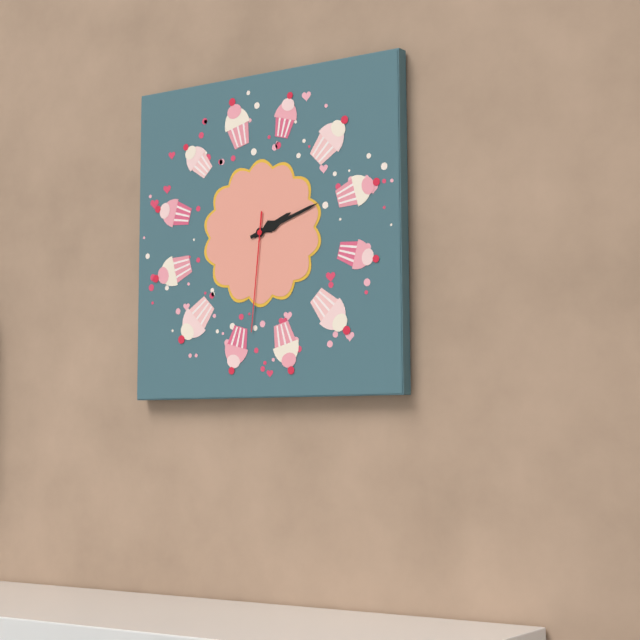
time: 2:12:31
